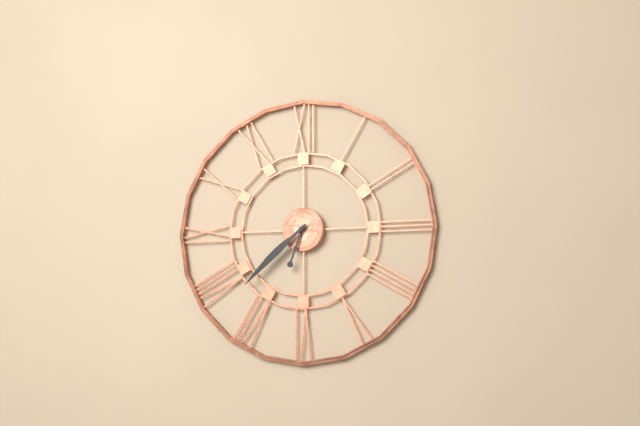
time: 6:38
